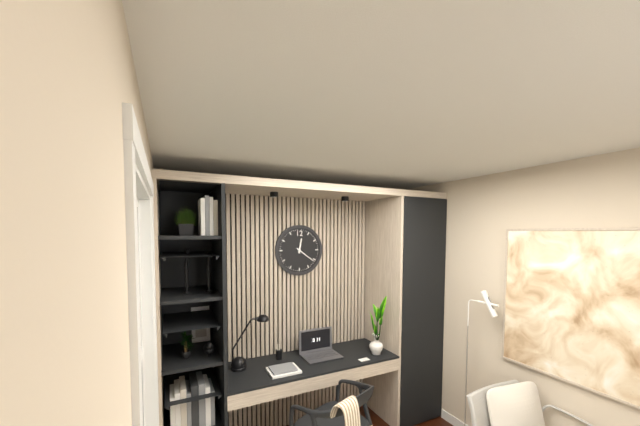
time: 12:21
